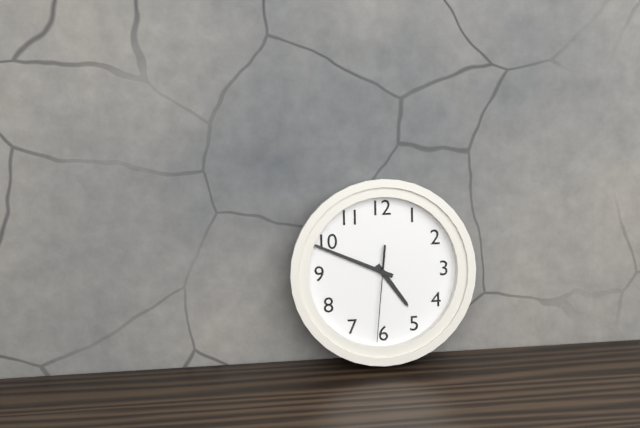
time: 4:49:31
